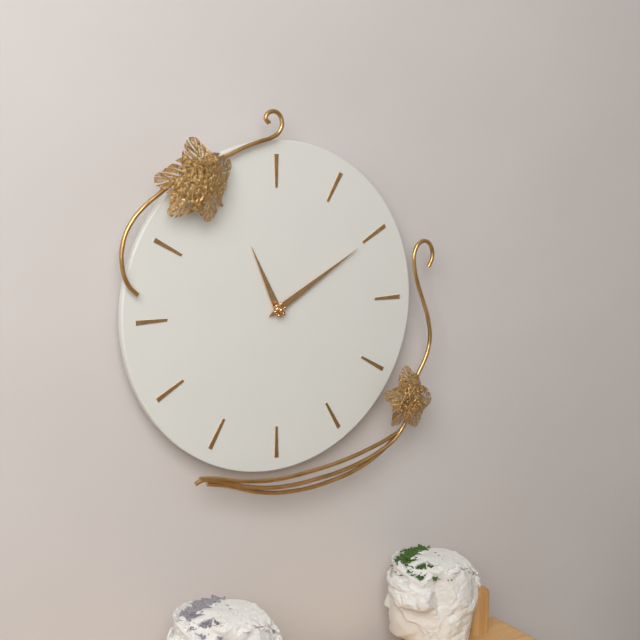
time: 11:10
